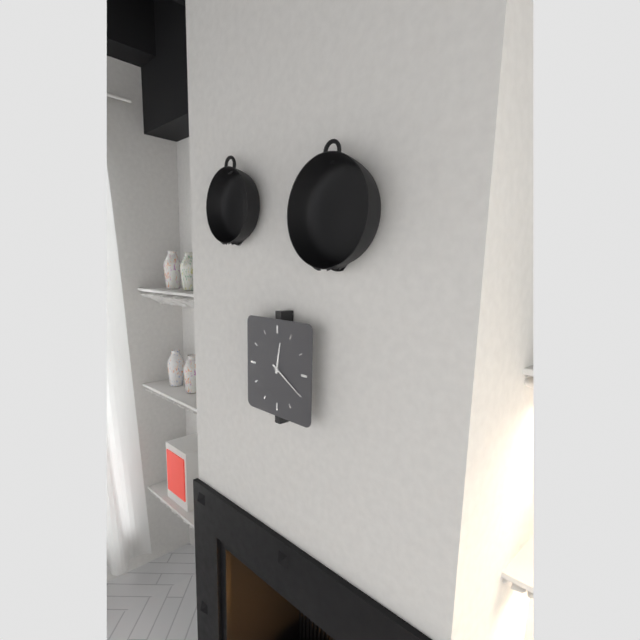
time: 12:20
